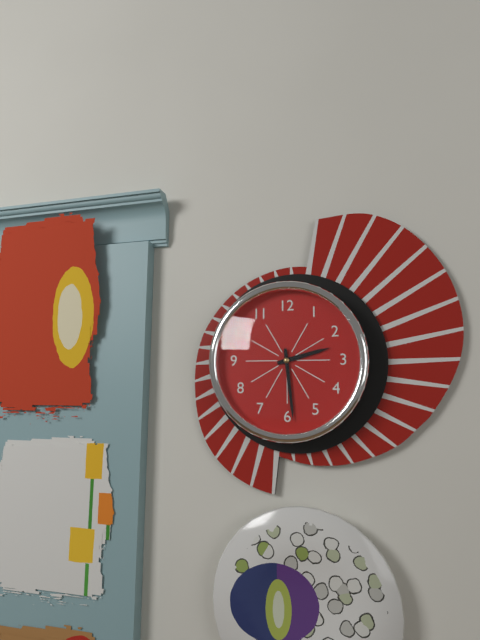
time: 2:29
